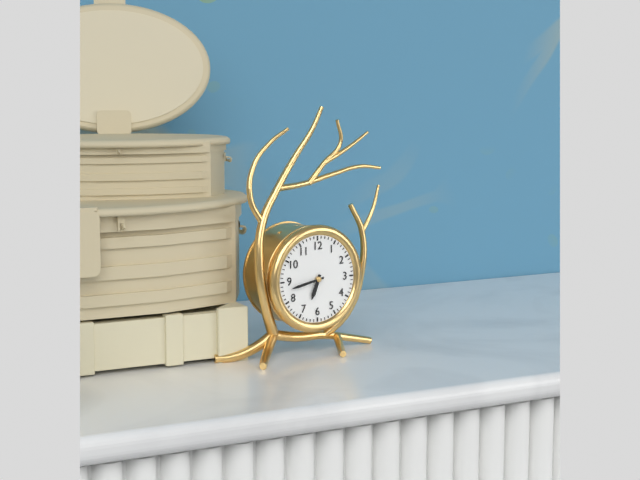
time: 6:43
